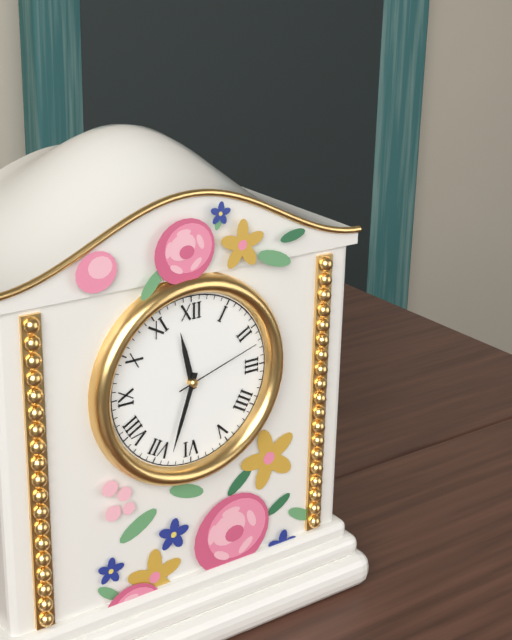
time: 11:33:12
